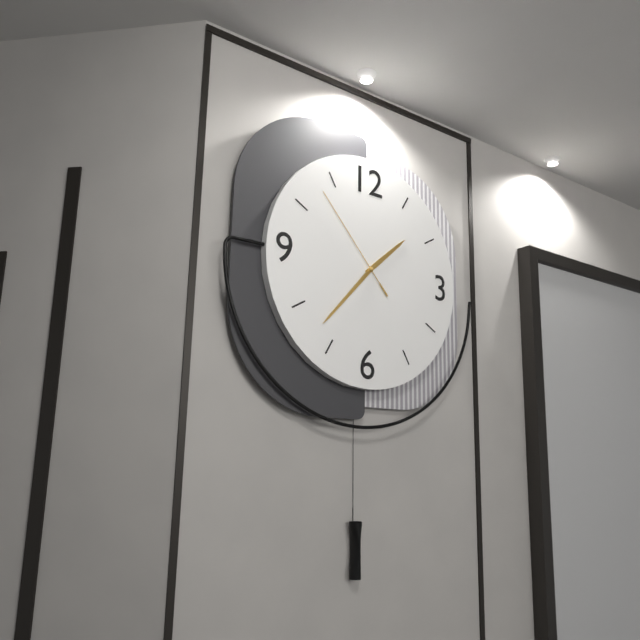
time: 1:37:53
